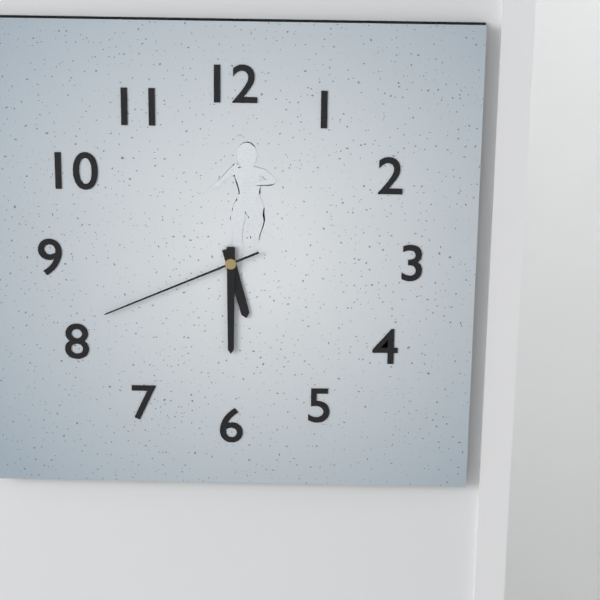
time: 5:30:41
